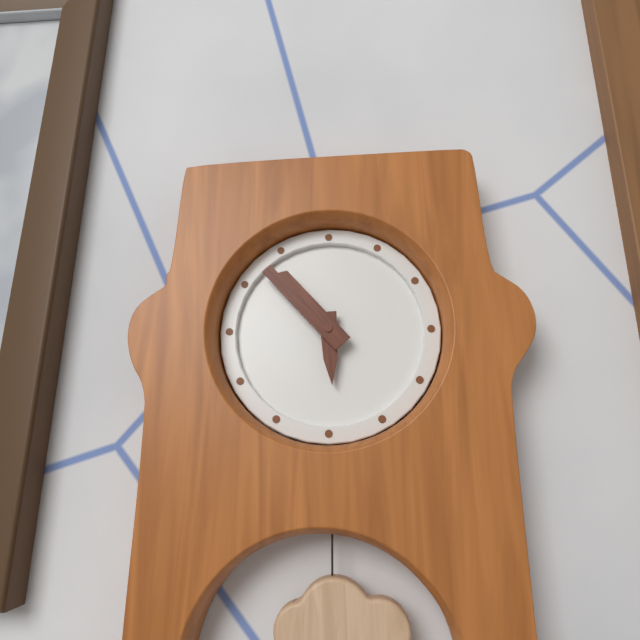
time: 5:53
